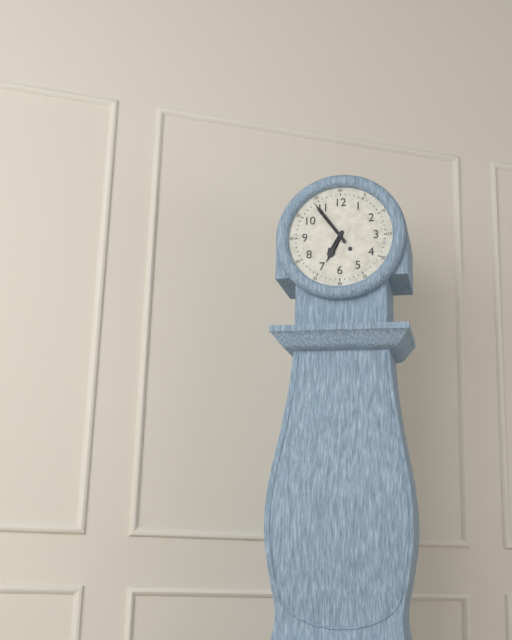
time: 6:54
